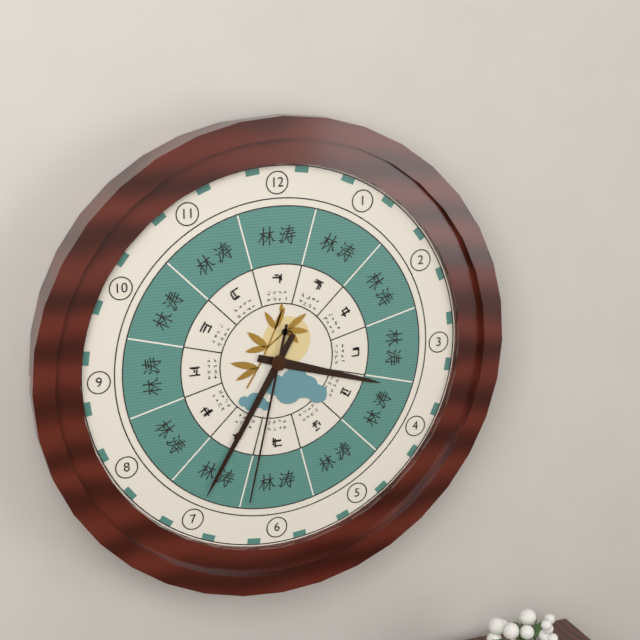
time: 3:35:32
